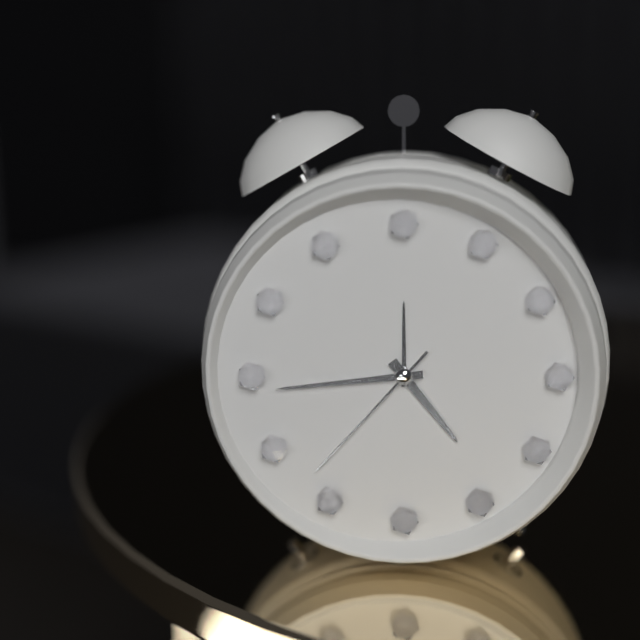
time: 4:44:37
